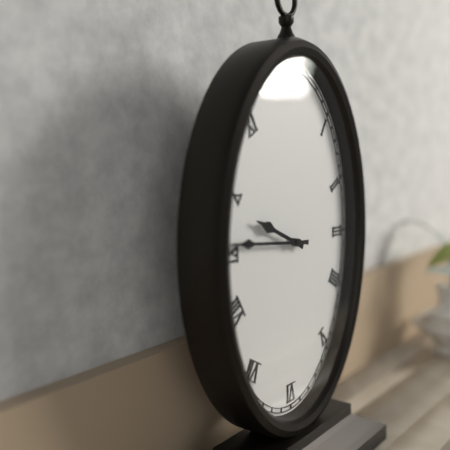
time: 9:46
